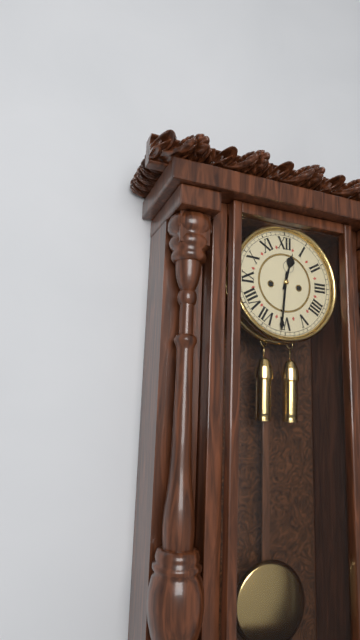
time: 12:31
